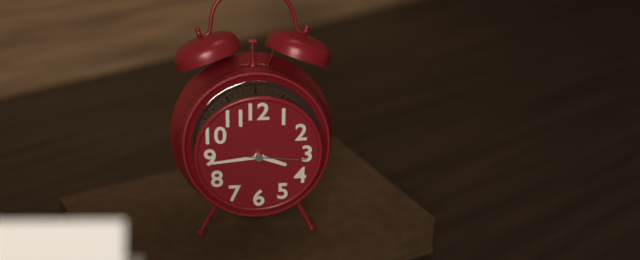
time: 3:44:16
